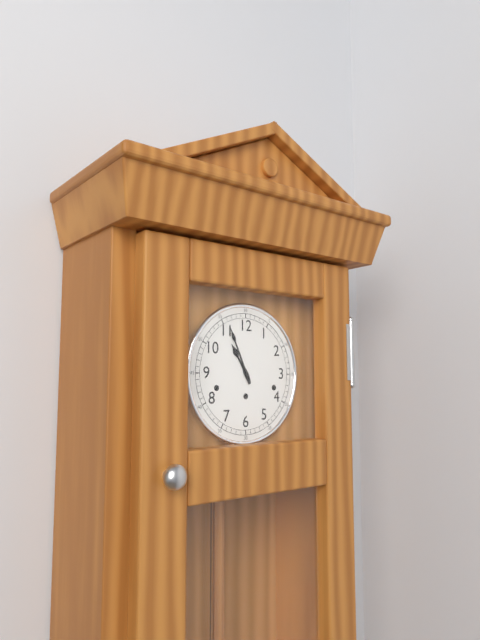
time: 10:56
